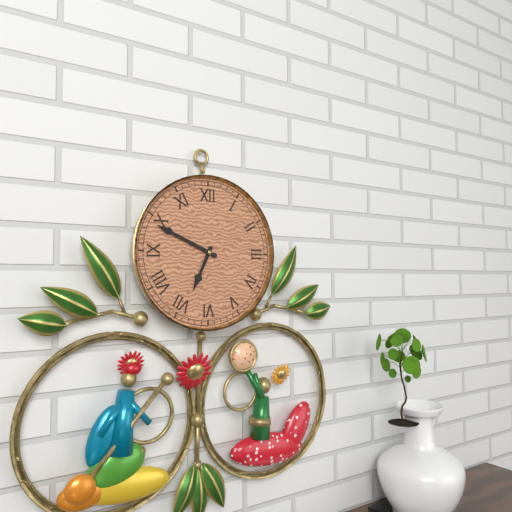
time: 6:49
